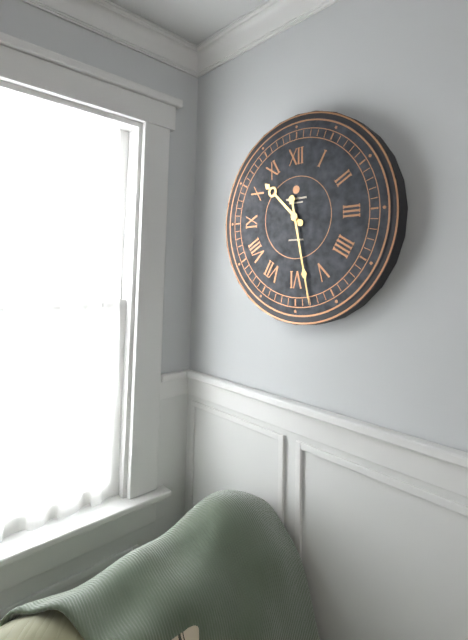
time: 10:28
